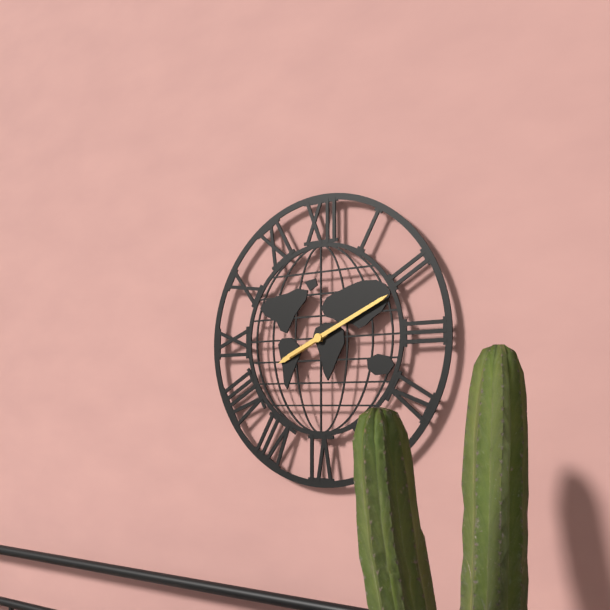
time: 8:11
